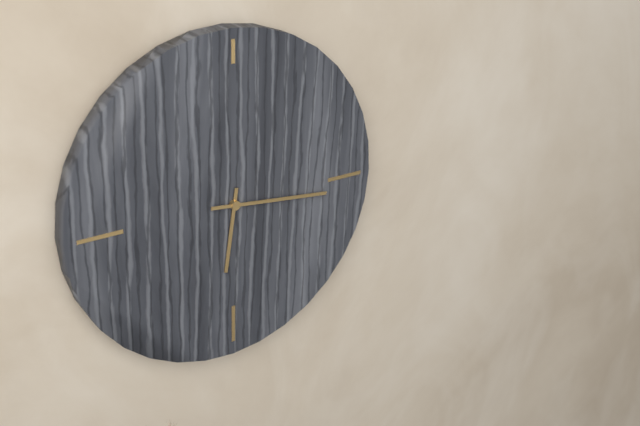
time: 6:16
